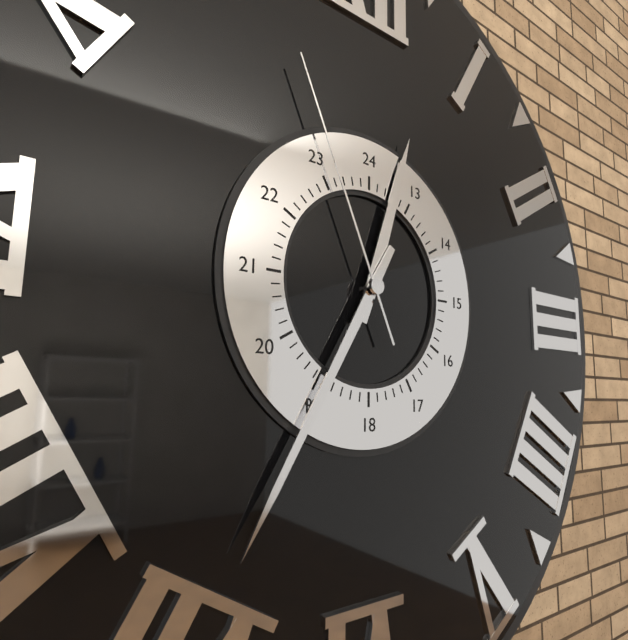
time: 12:35:56
